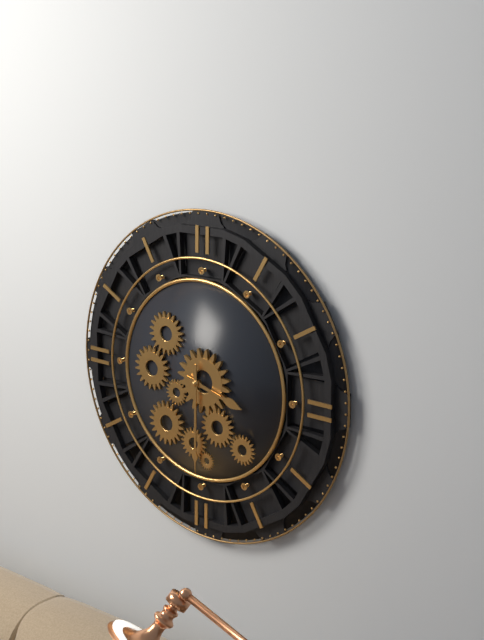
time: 3:30
